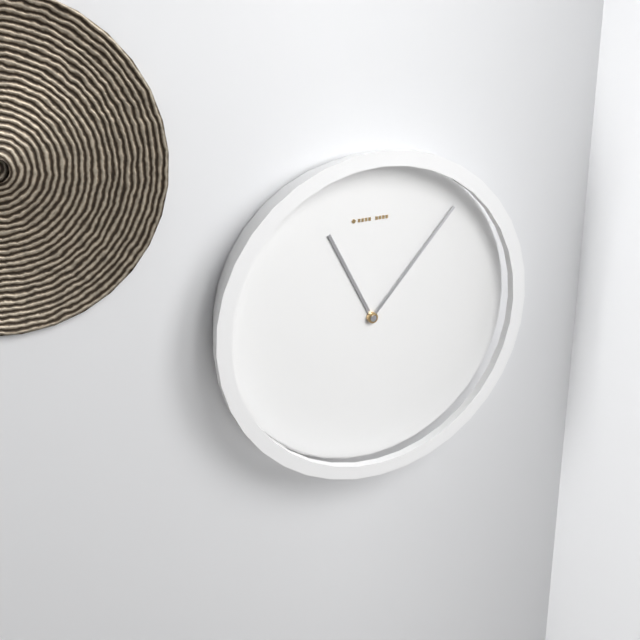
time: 11:07
